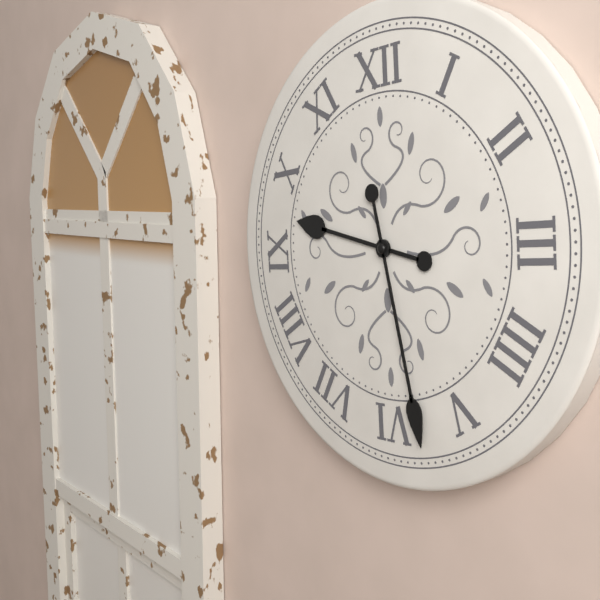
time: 9:28
